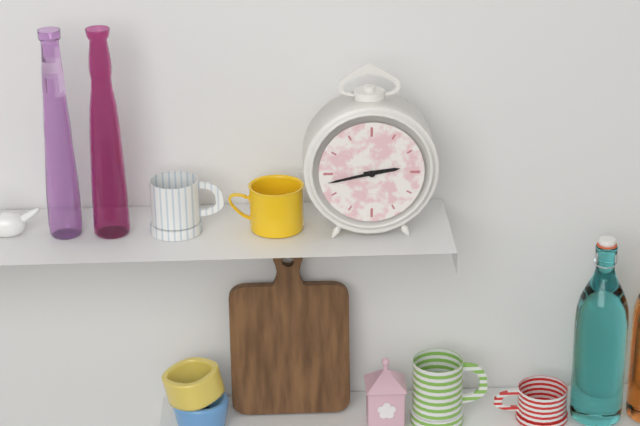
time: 2:43
